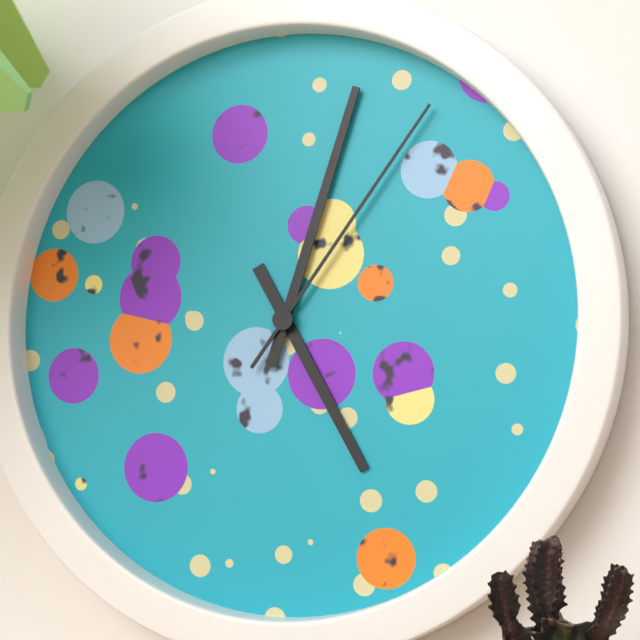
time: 5:03:06
